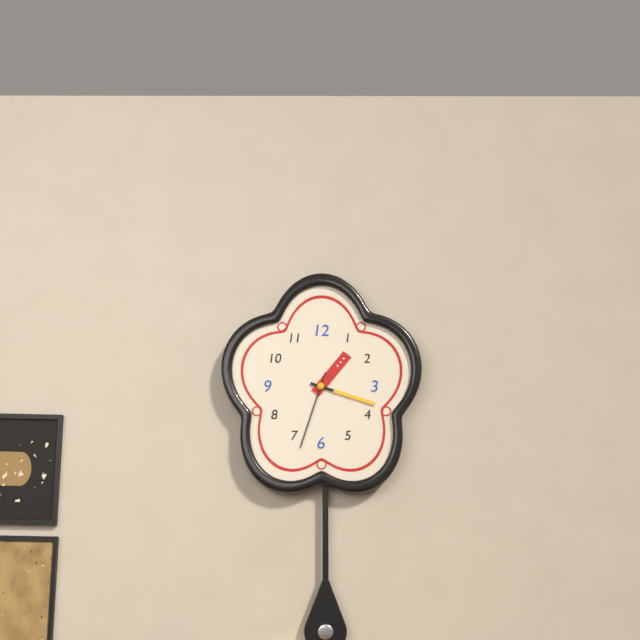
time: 1:18:33
